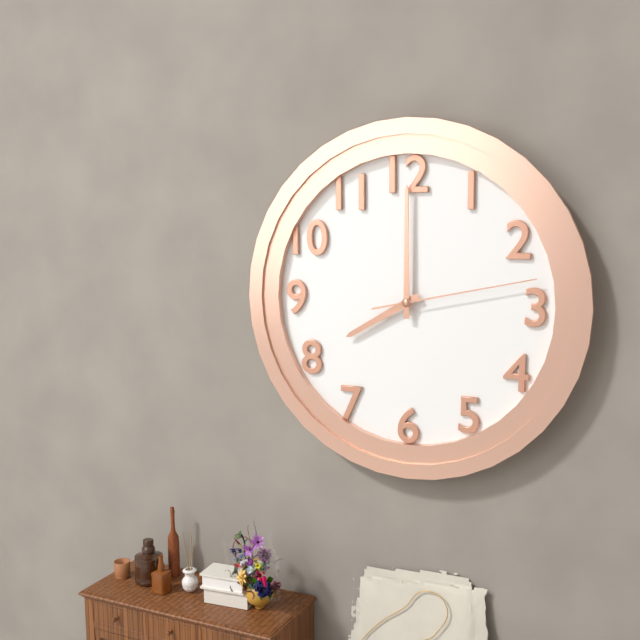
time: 8:00:13
